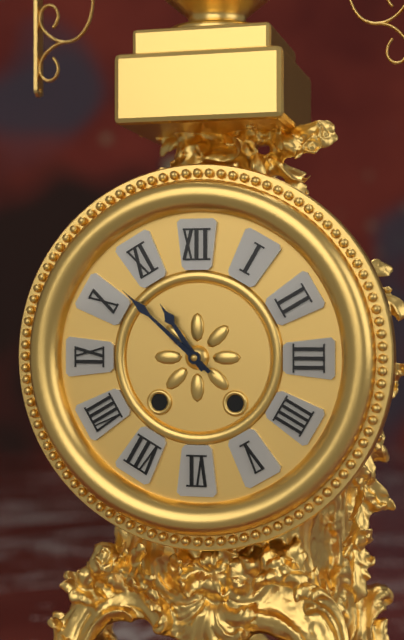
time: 10:52
